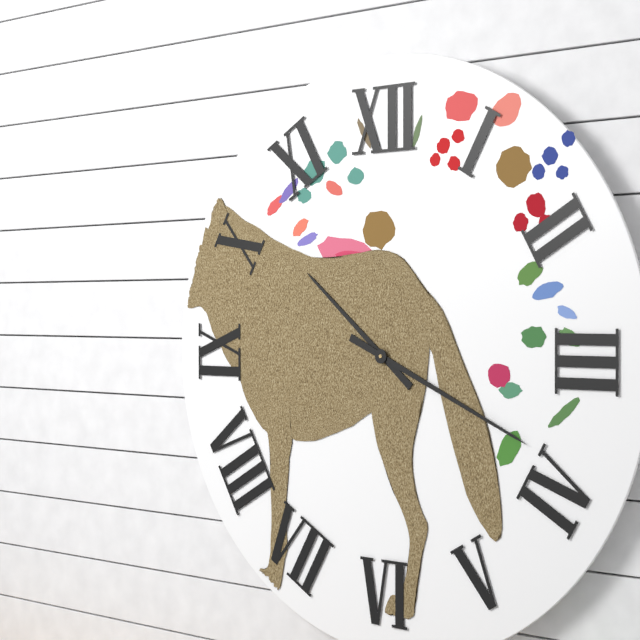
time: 10:19
